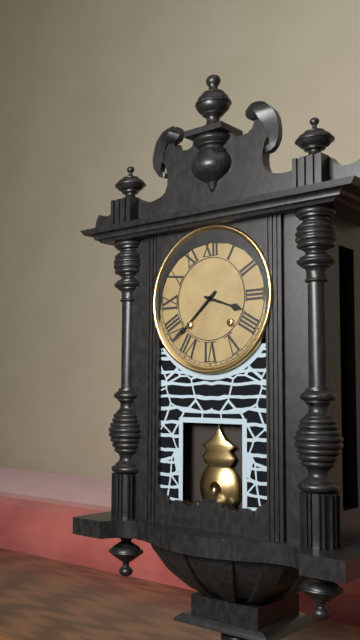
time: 3:38
